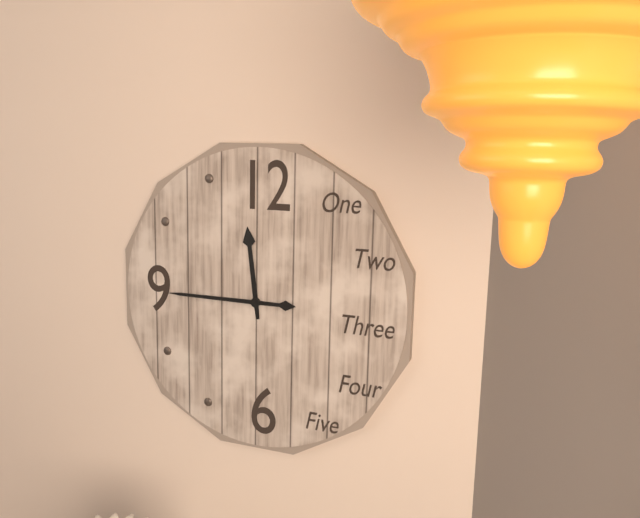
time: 11:45
